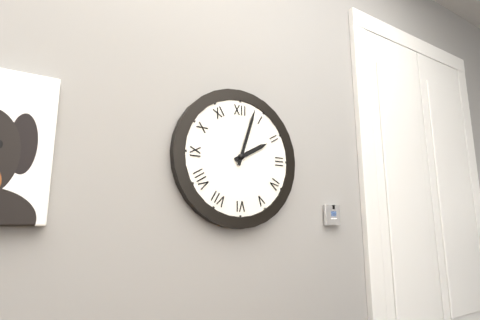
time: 2:03
